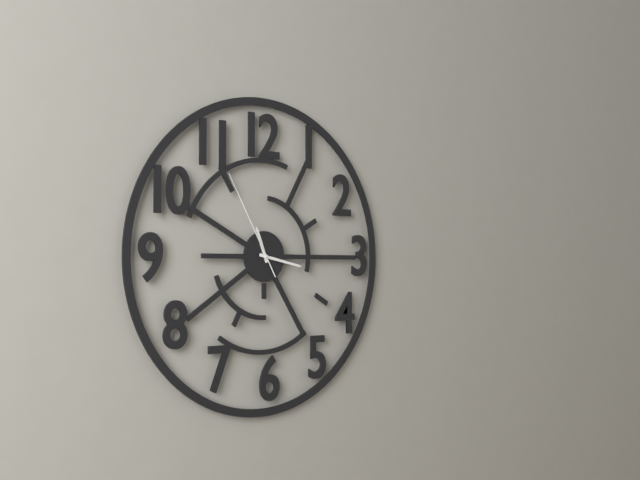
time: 11:17:55
